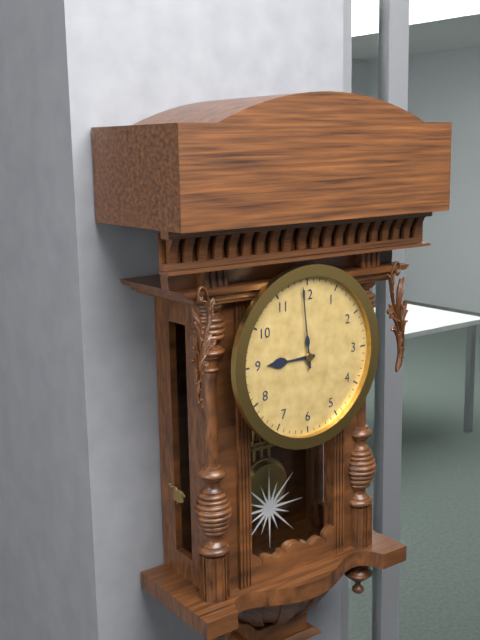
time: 8:59
